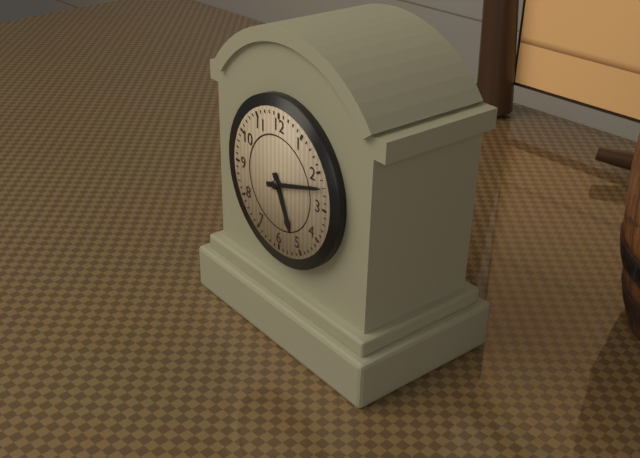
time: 5:12
